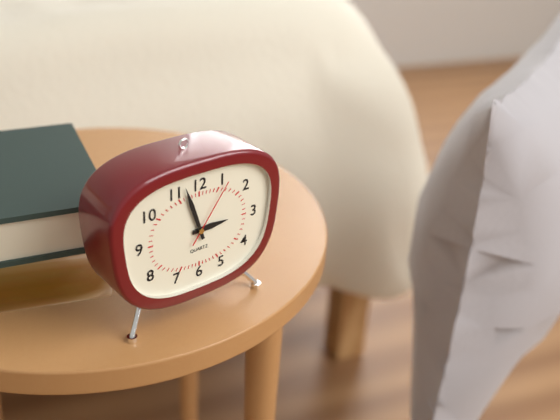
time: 2:57:06
